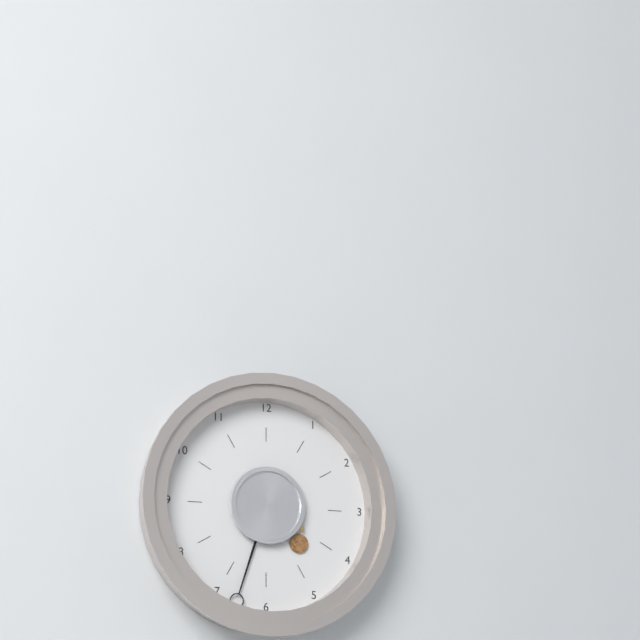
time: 4:33
